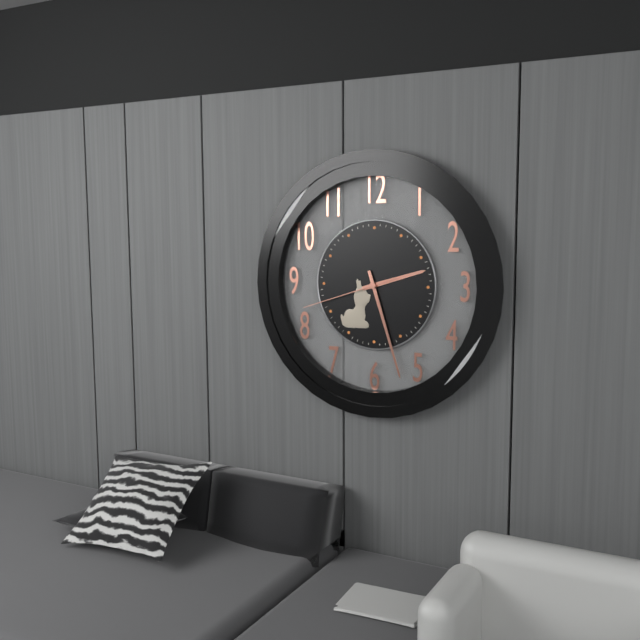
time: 2:27:42
